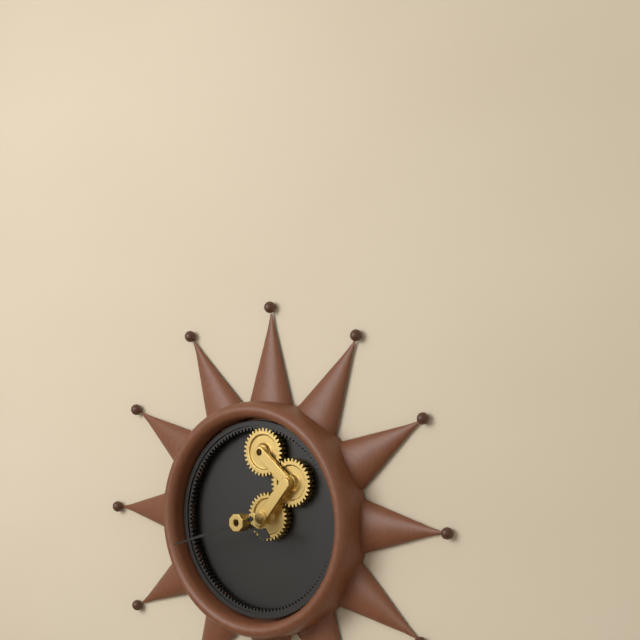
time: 3:42
